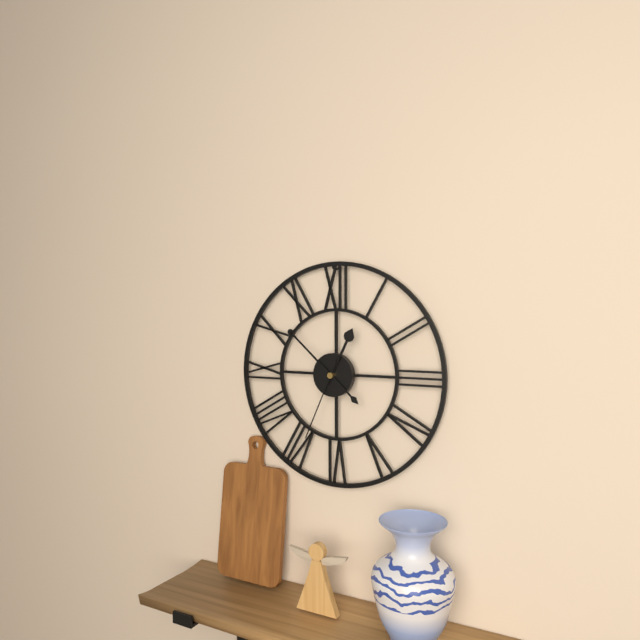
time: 12:52:34
